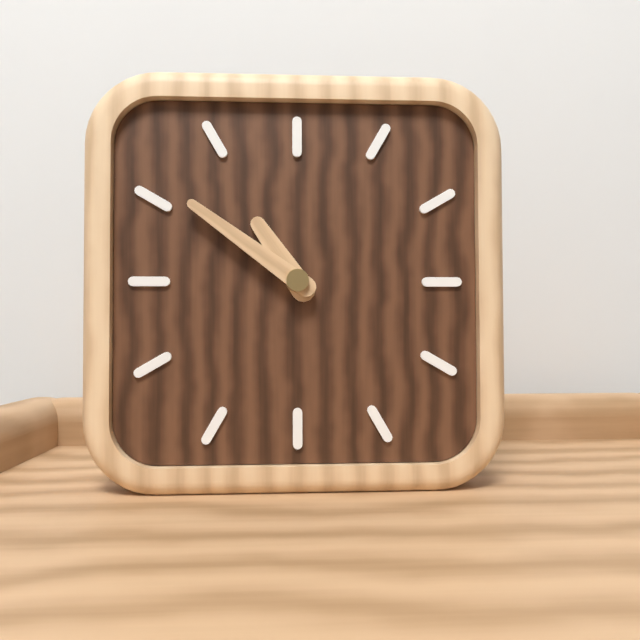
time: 10:51
